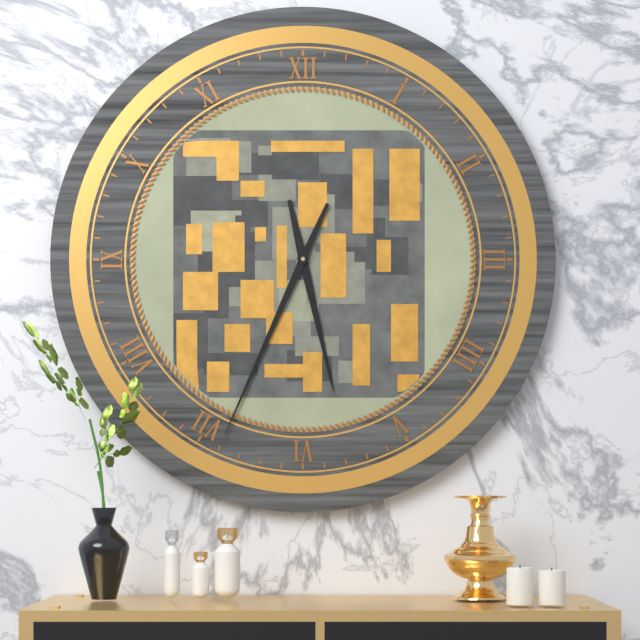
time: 5:34
